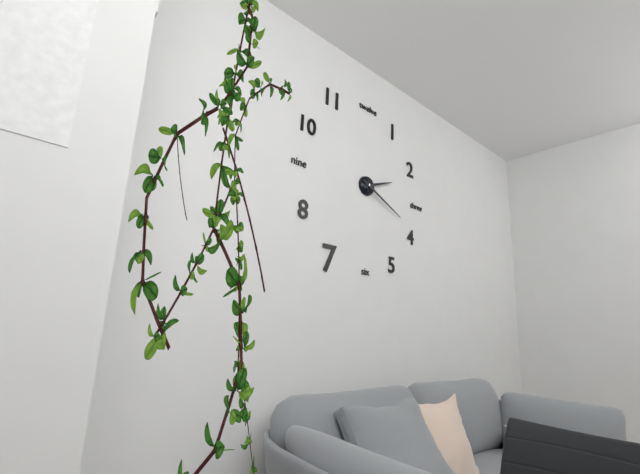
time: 2:19
